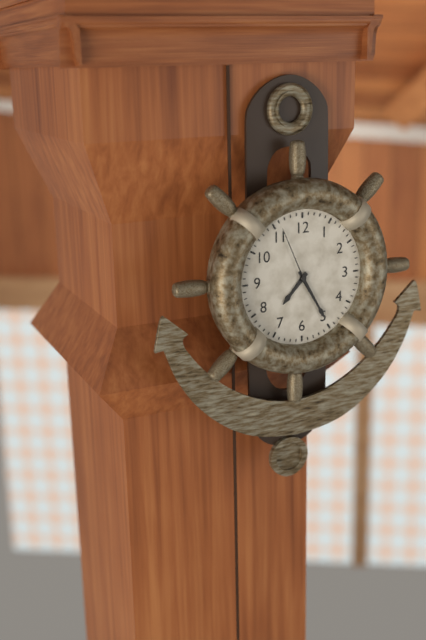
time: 7:25:56
